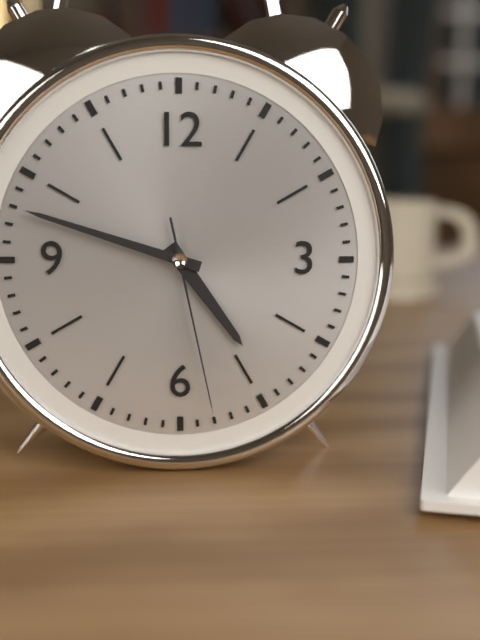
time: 4:48:28
